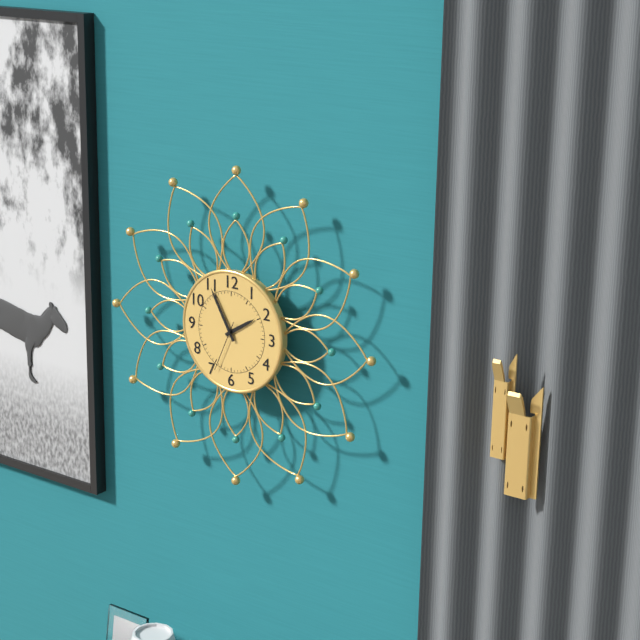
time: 1:55:34
